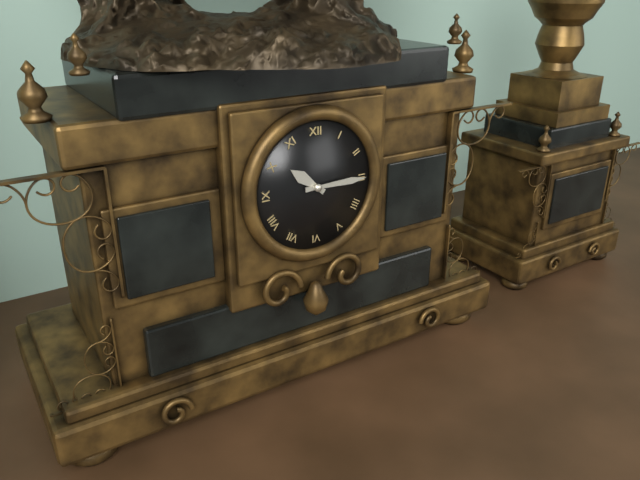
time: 10:15
